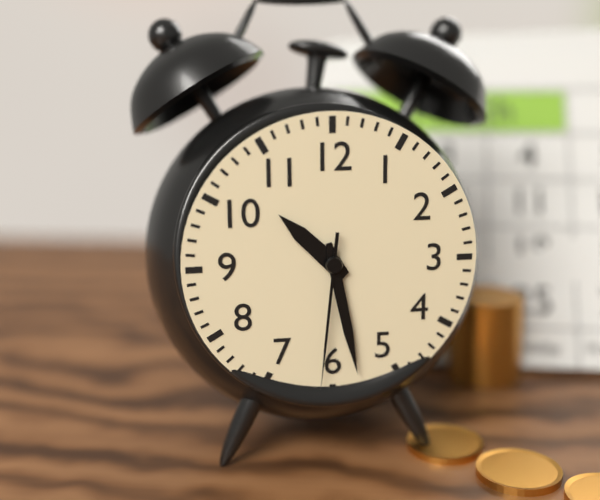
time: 10:28:31
